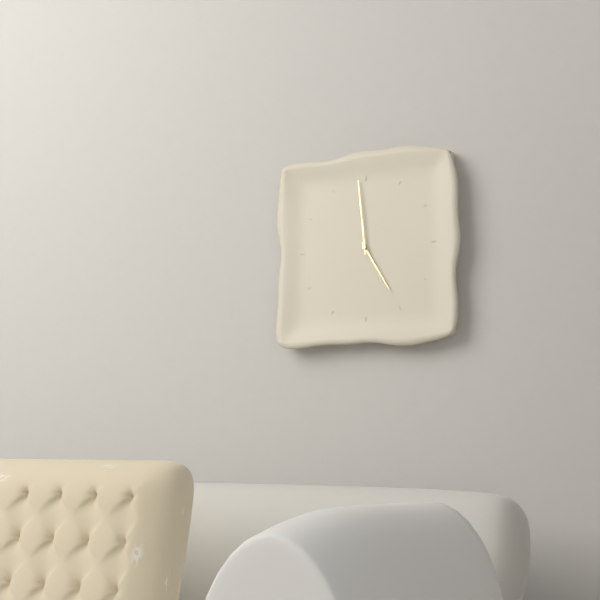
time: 4:59
